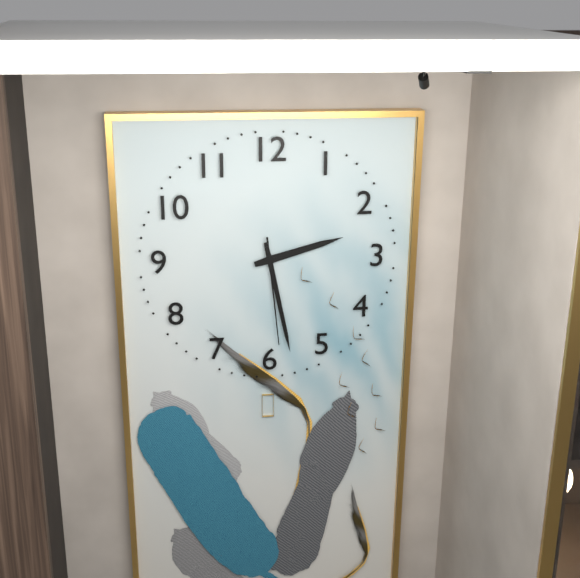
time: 2:28:29
